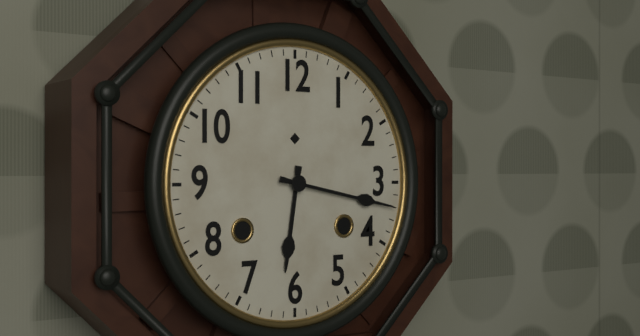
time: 6:17
